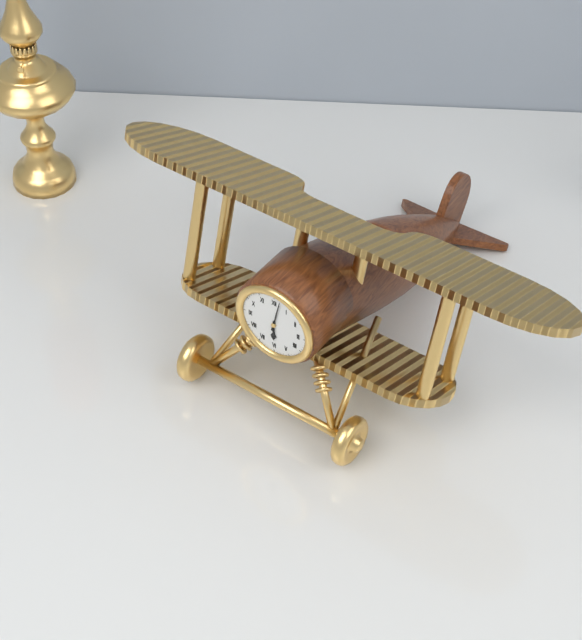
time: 6:02
